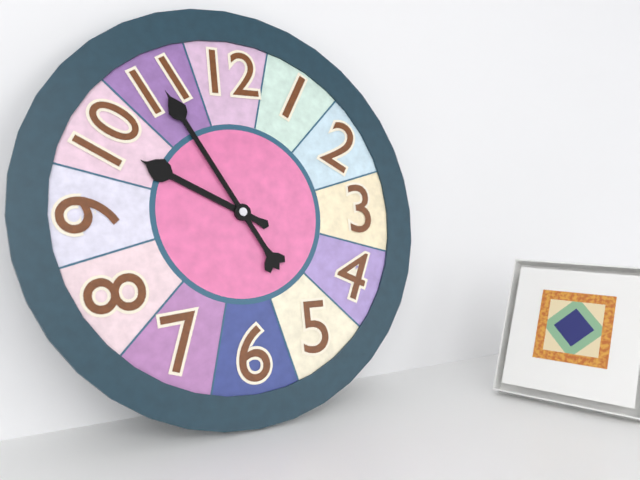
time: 9:55
